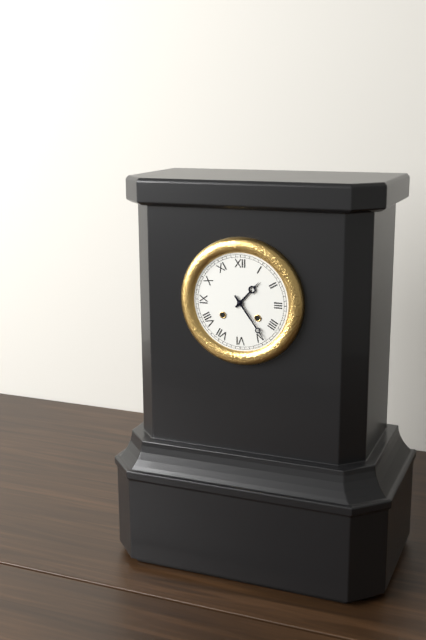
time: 1:24
